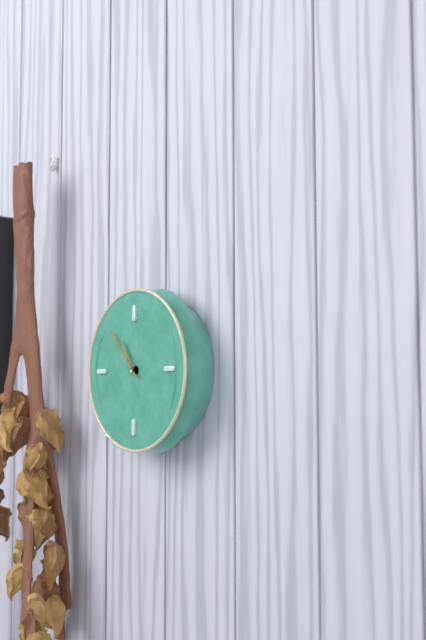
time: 10:53
